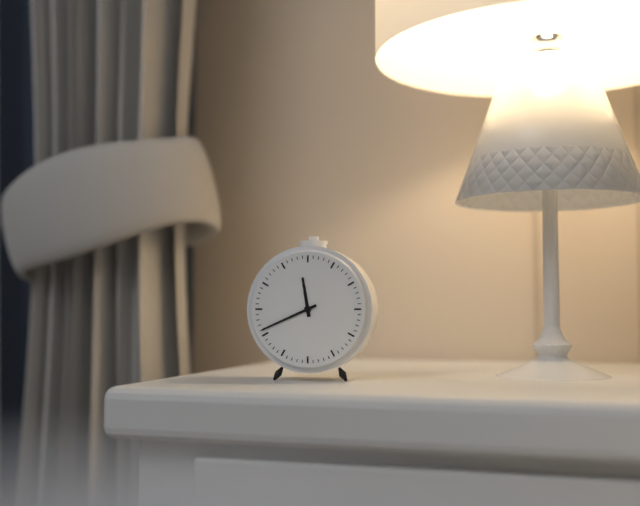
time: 11:41
